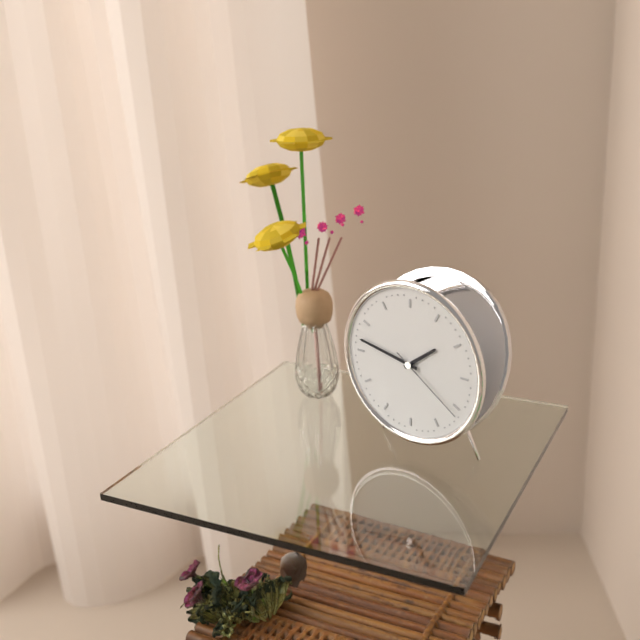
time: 1:47:21
